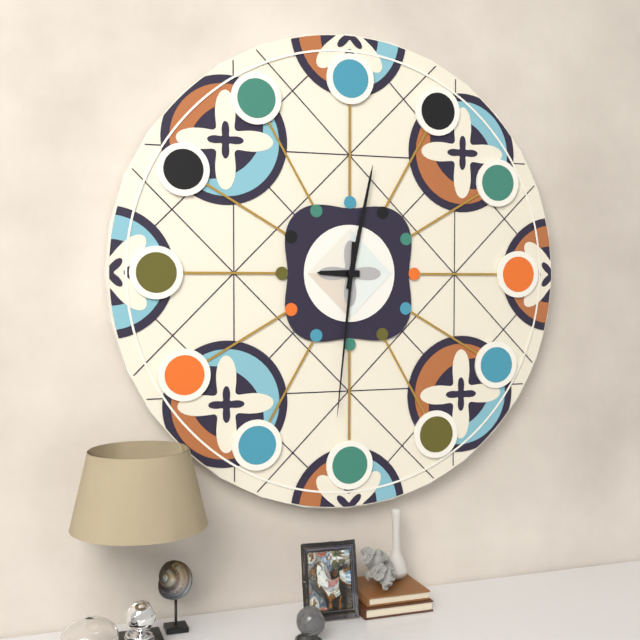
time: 9:02:31
